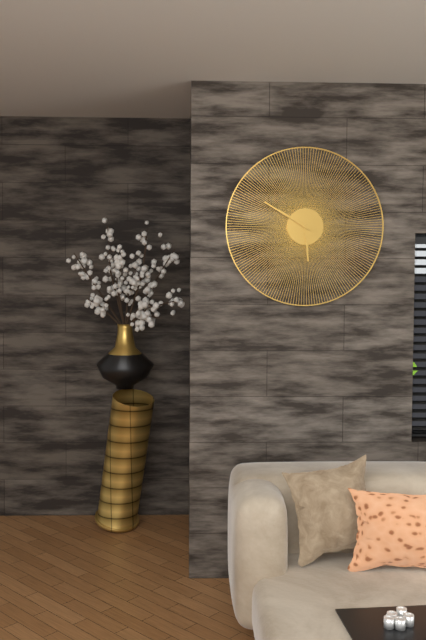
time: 5:50
